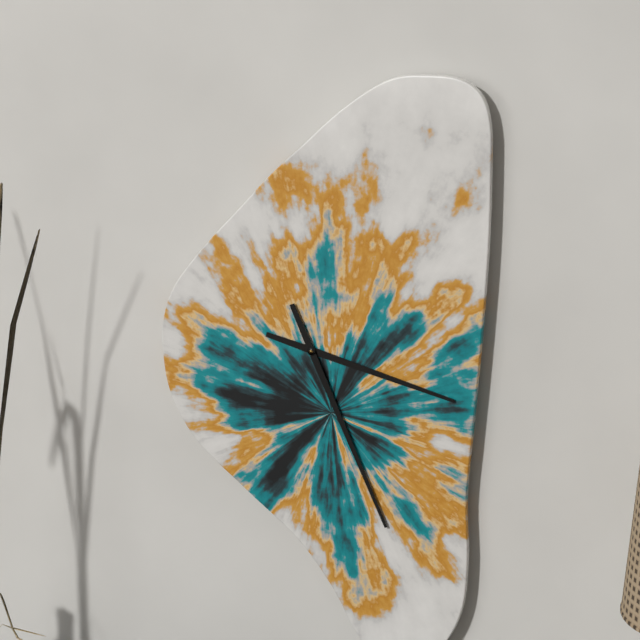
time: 3:26
